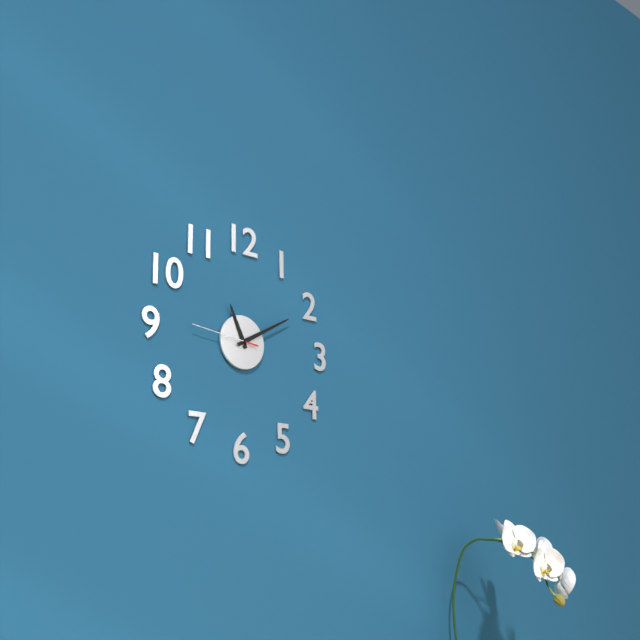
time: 11:10:46
